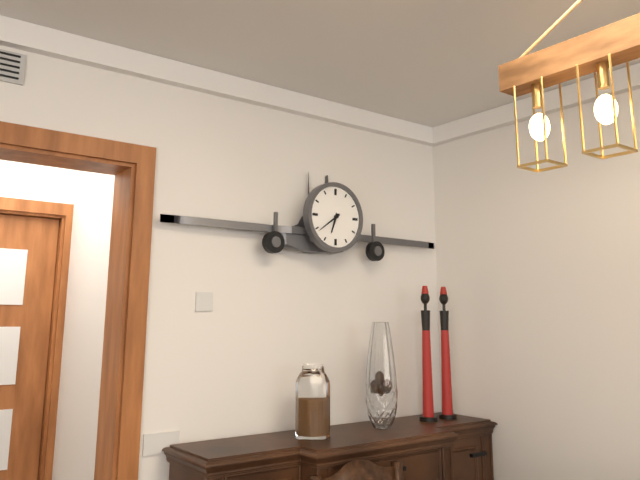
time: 6:39
